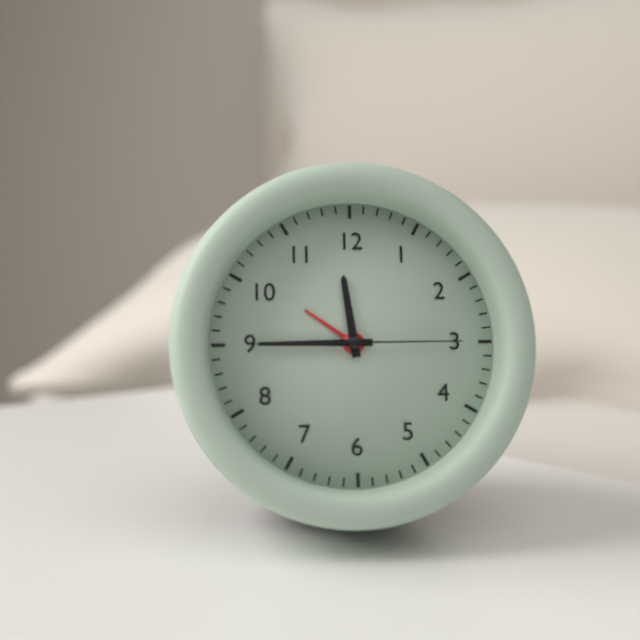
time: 11:45:15
